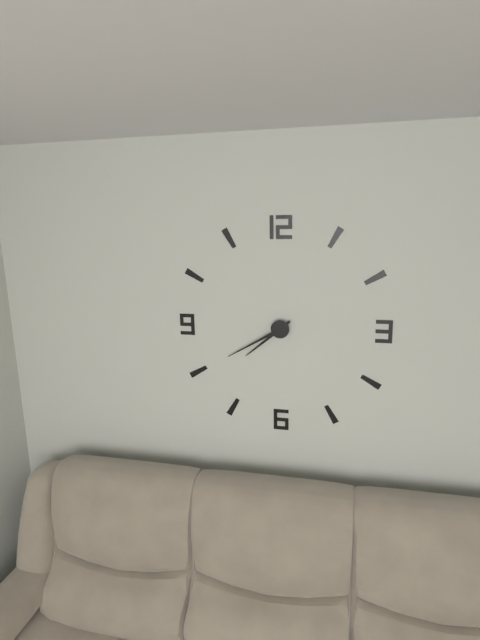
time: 7:40
